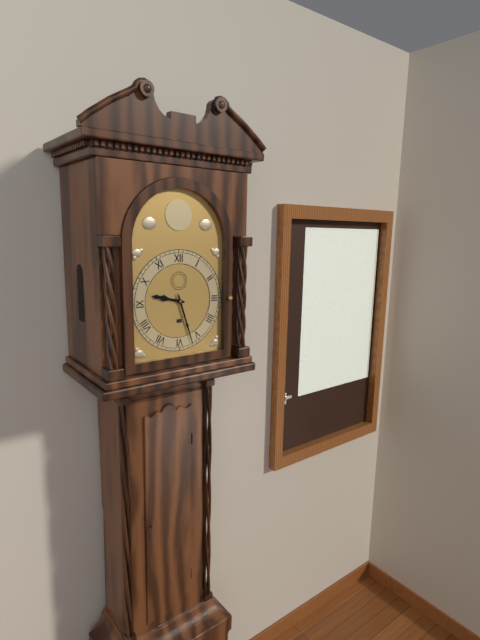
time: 9:27
